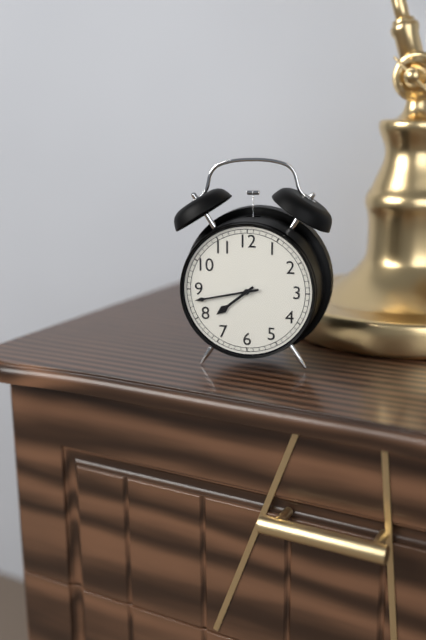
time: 7:43
